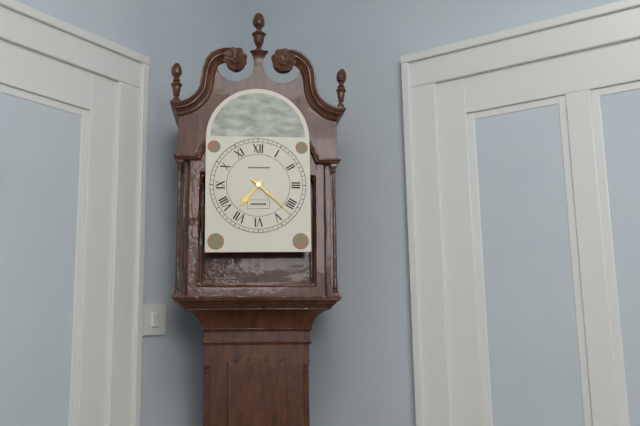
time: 7:22
